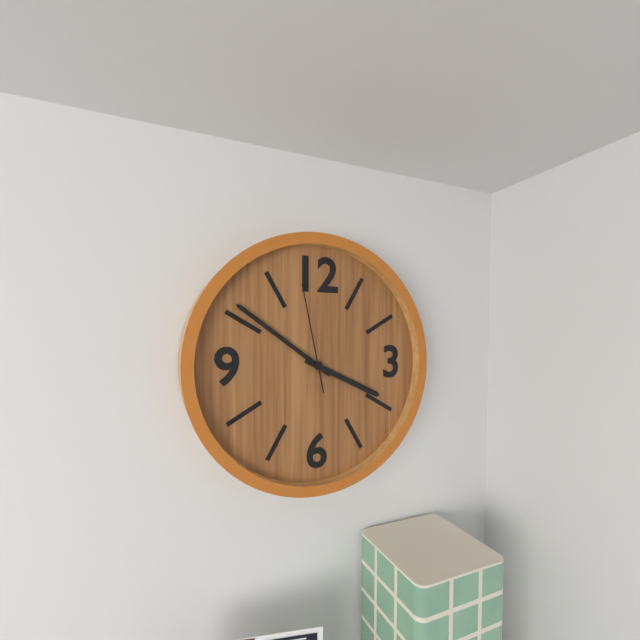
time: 3:51:58
